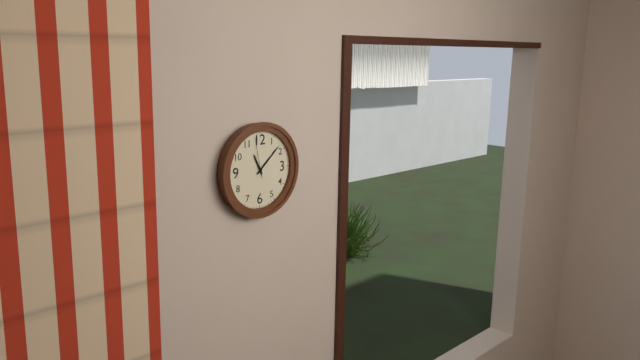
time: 11:08
